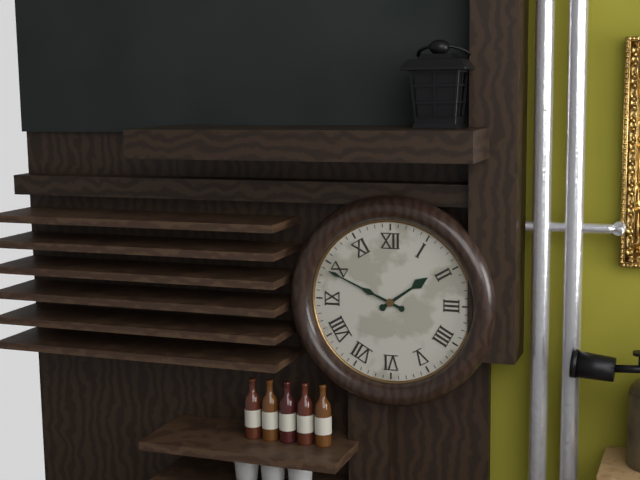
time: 1:49
